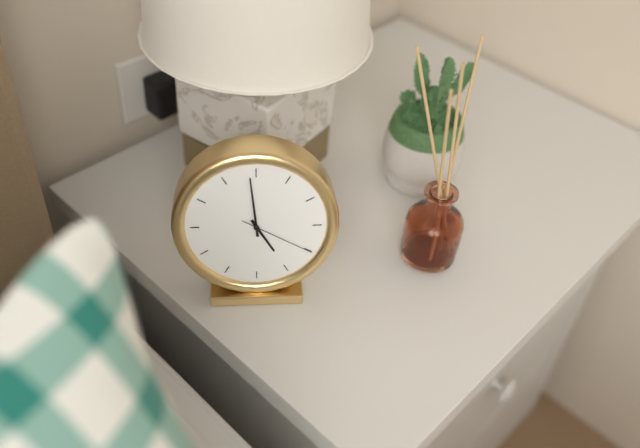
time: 4:59:20
